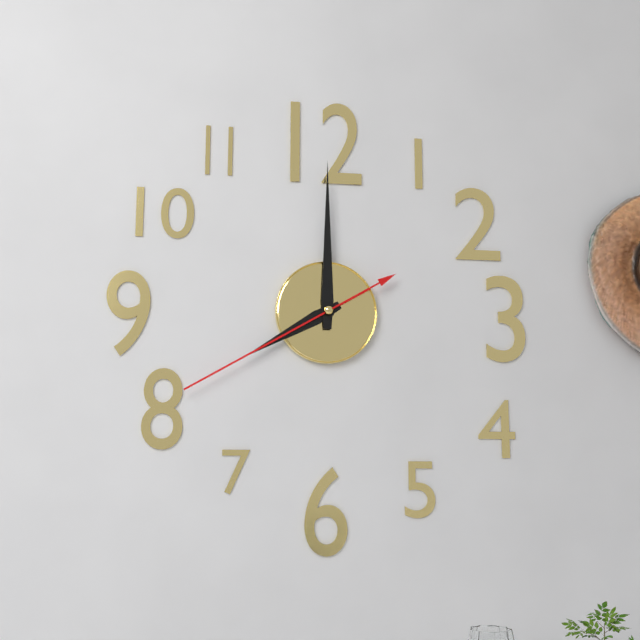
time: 8:00:40
